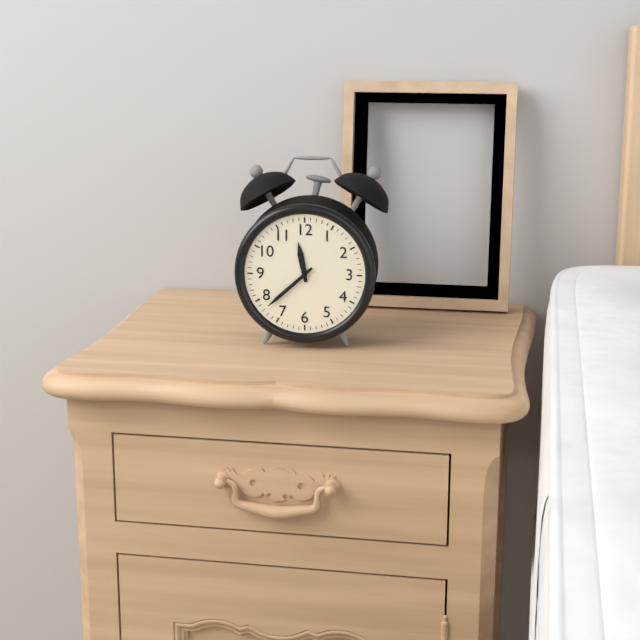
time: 11:38
